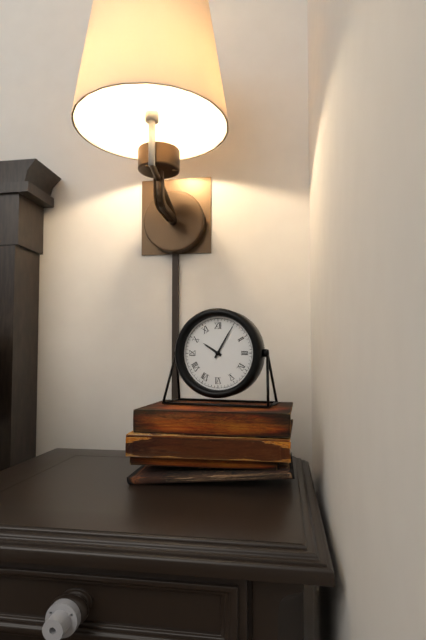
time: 10:05
